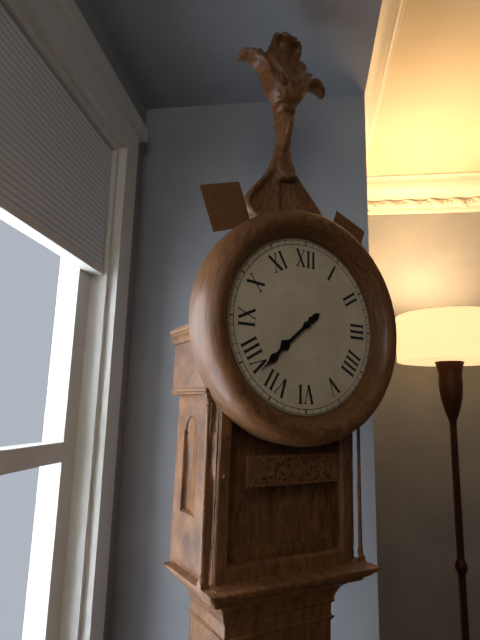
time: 7:38
